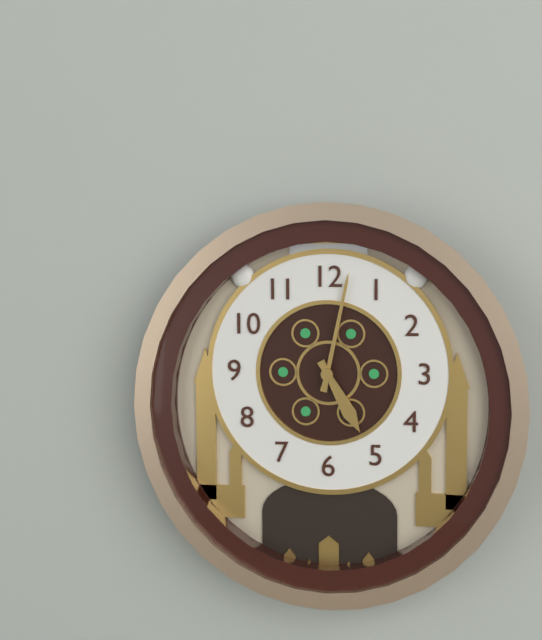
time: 5:02
